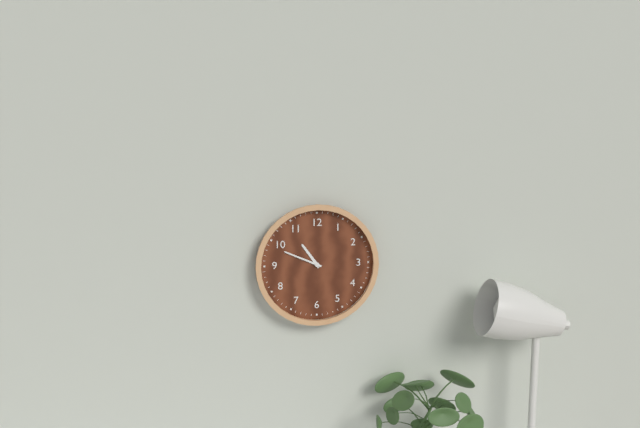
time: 10:49
